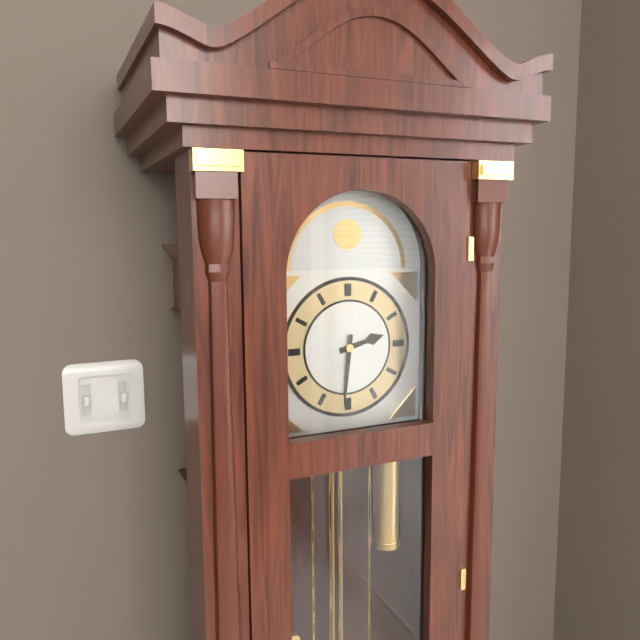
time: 2:31
